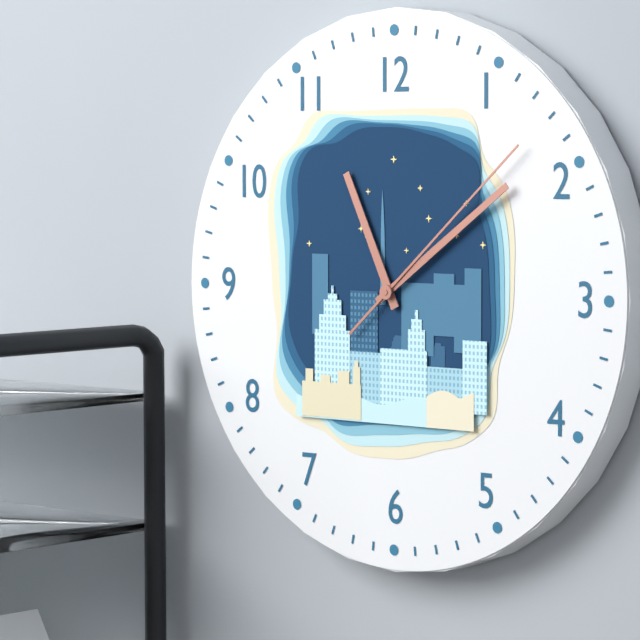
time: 11:09:08
